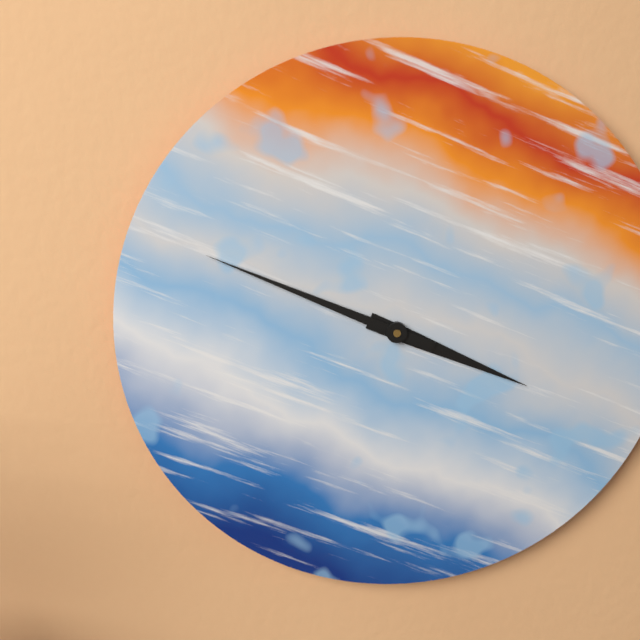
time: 3:49
